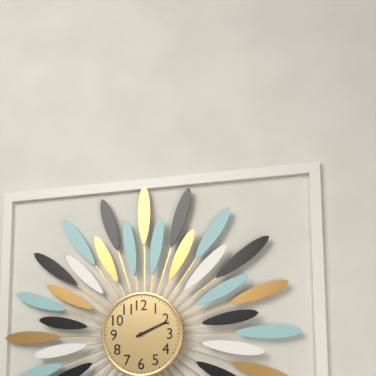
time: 2:11
